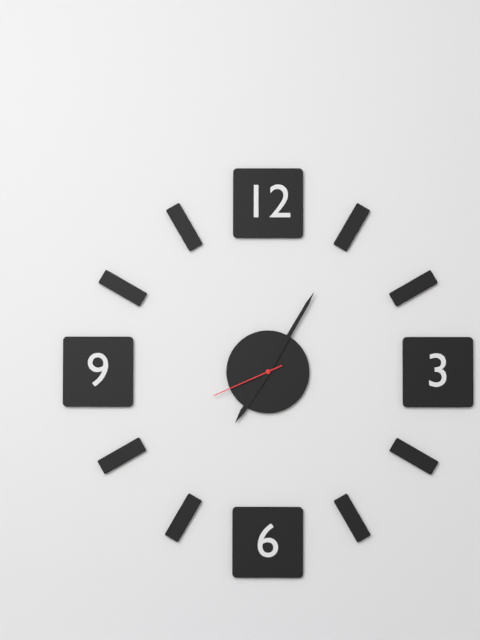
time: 7:05:41
